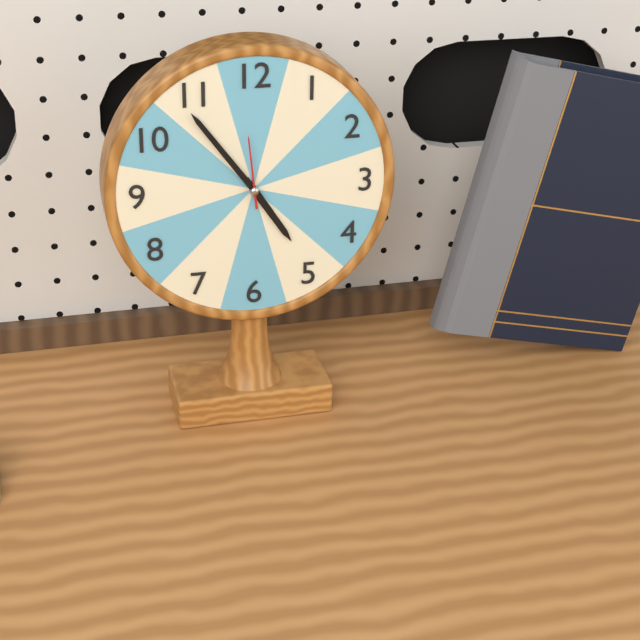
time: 4:54:59
